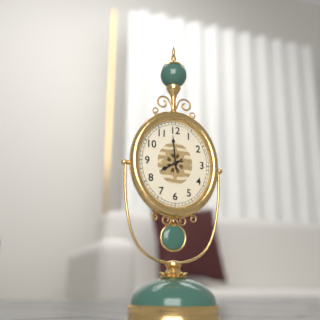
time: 7:59
